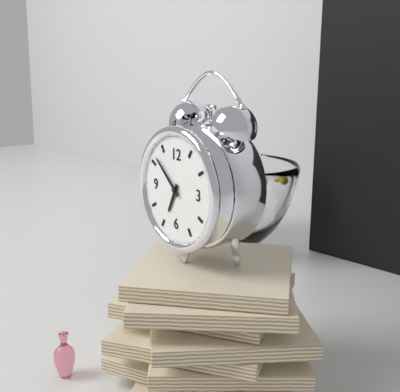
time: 6:52
